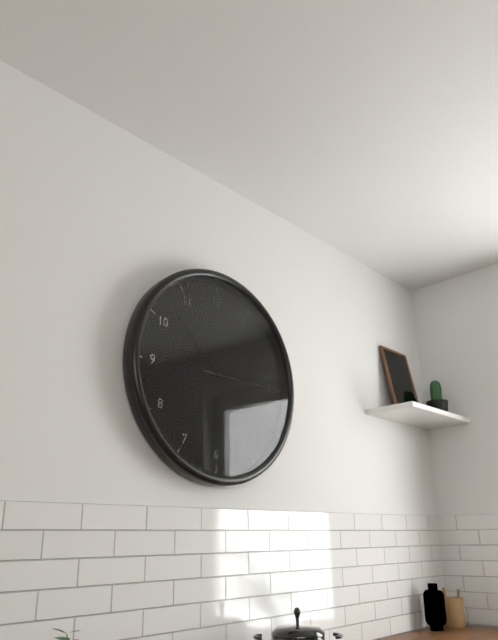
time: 2:52:15
